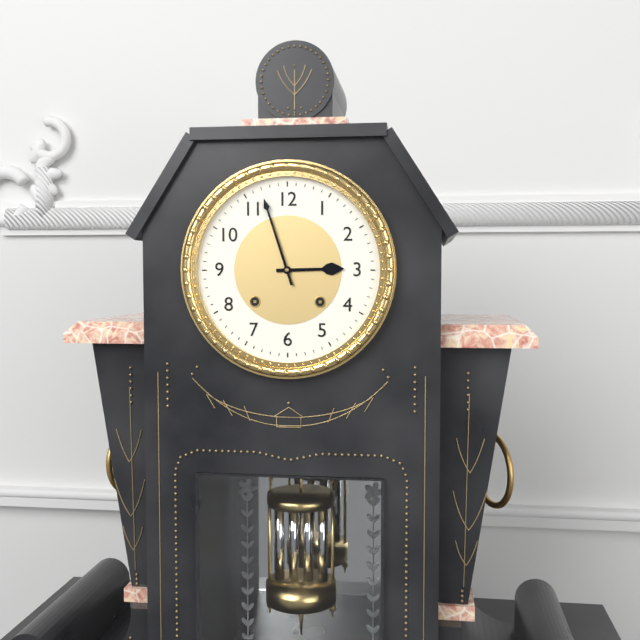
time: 2:57
